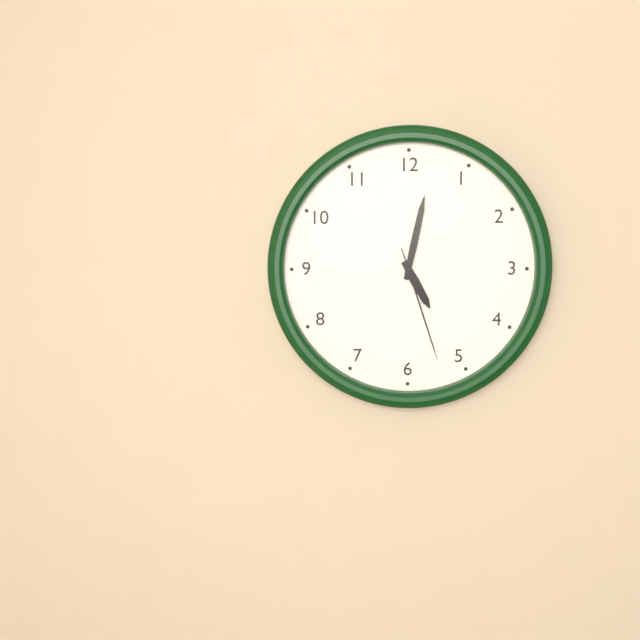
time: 5:02:27
